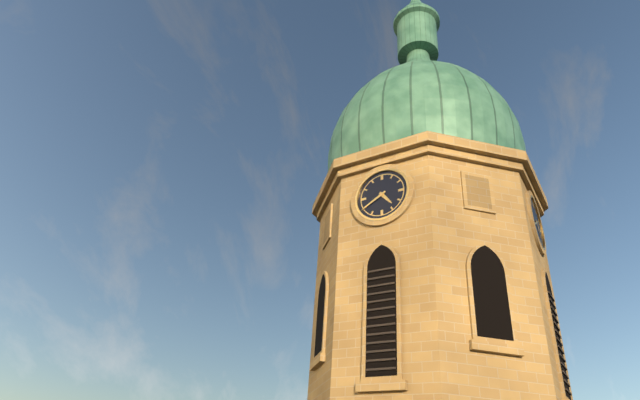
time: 4:40
